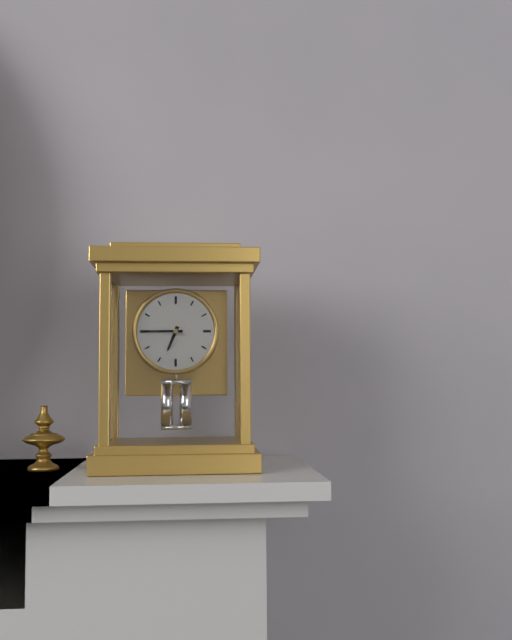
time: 6:45
